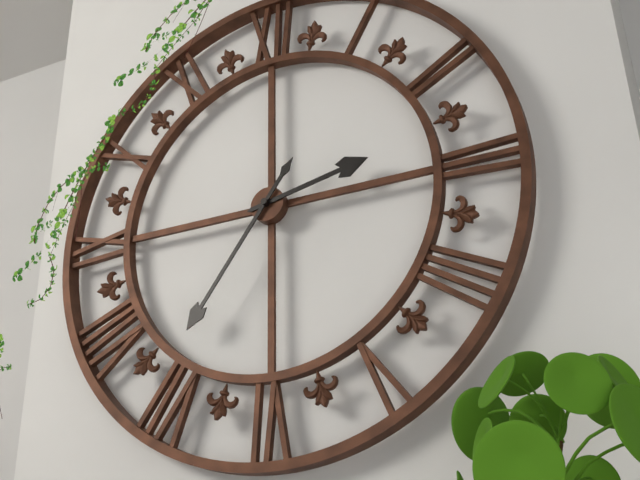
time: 2:36
